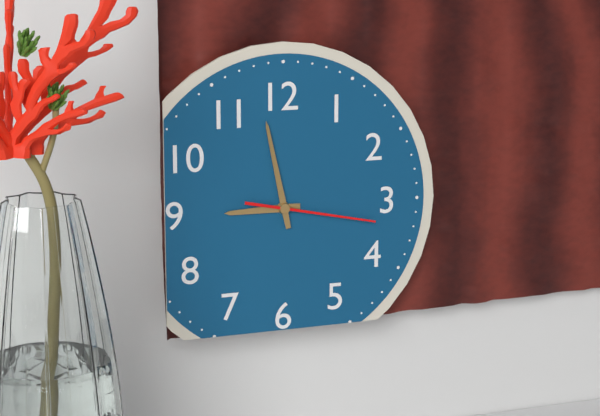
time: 8:58:17
